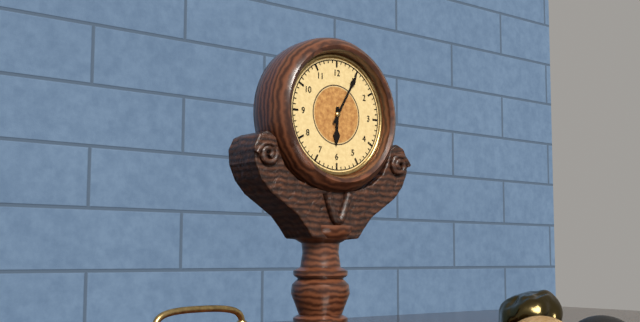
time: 6:05
